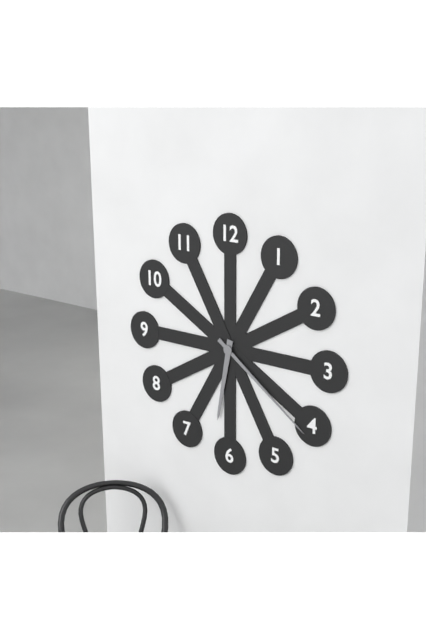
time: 6:21
